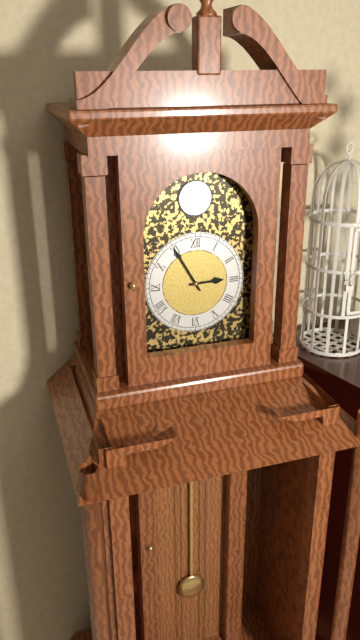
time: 2:55
